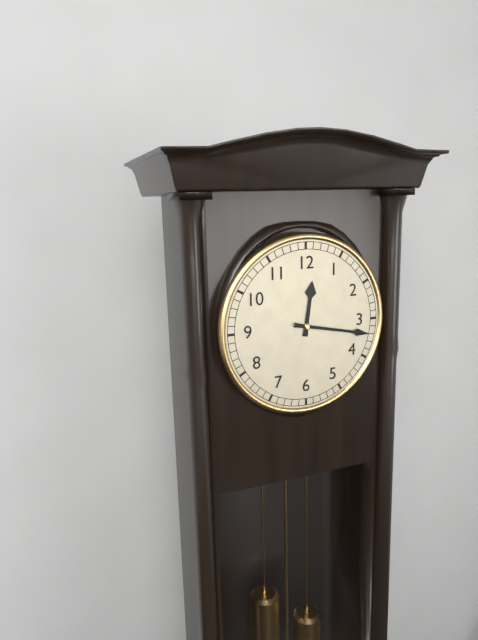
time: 12:17
